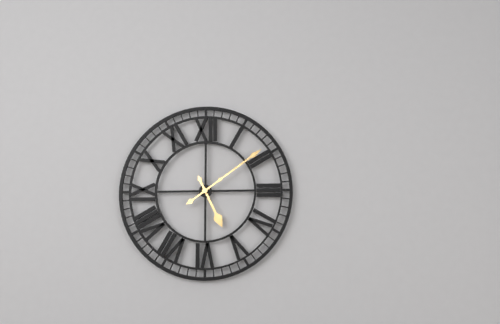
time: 5:09
